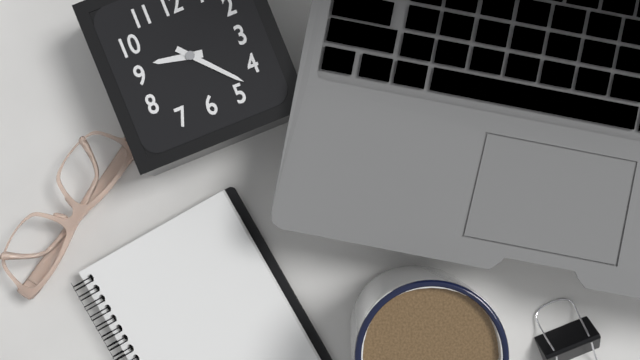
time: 9:23
